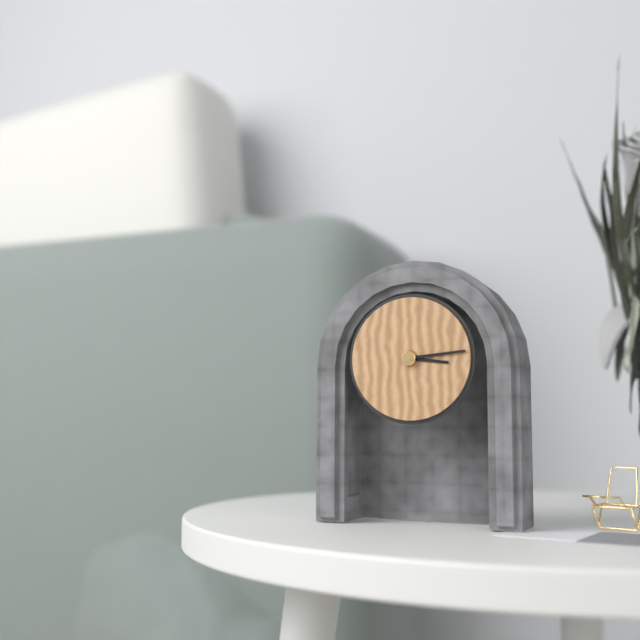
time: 3:14
